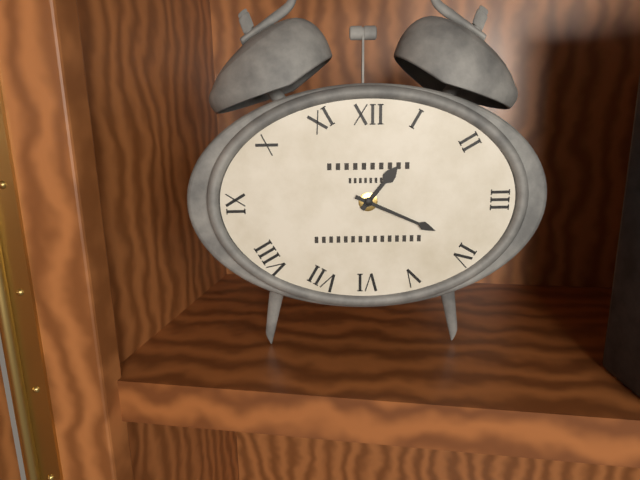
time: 1:19
